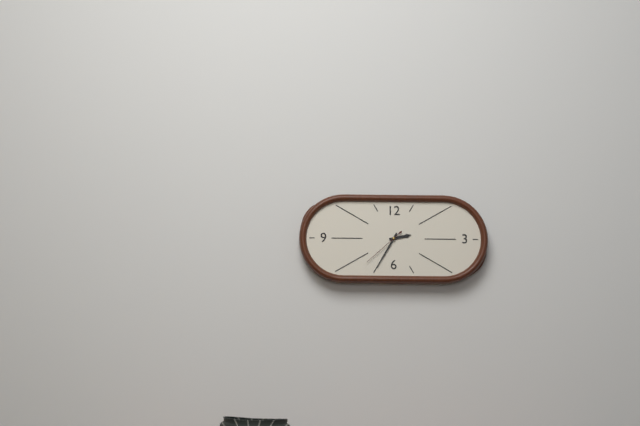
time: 2:35
